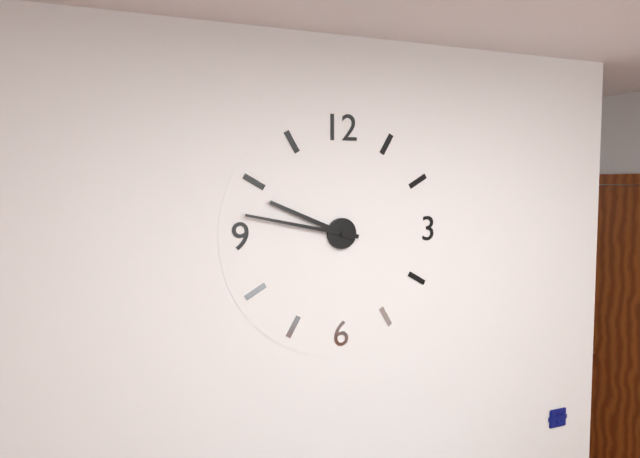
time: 9:47
